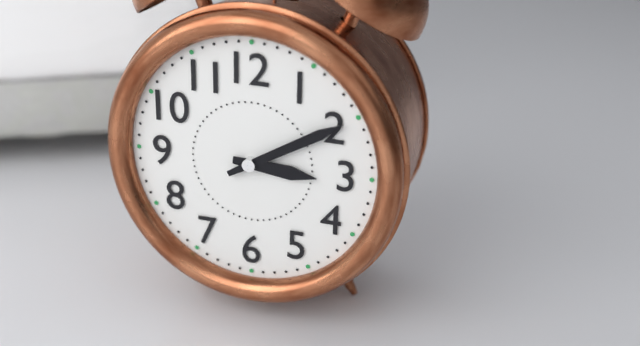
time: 3:10
